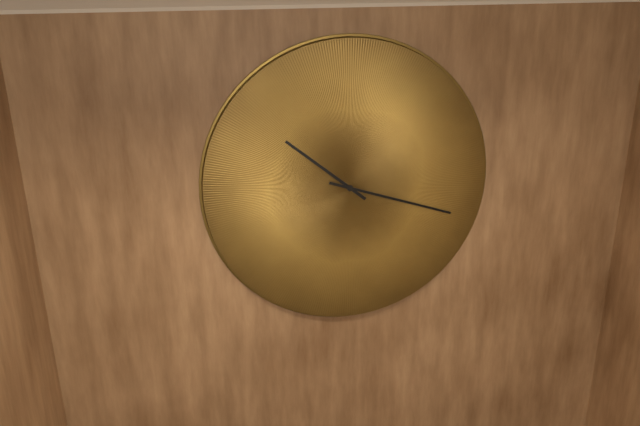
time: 10:18
